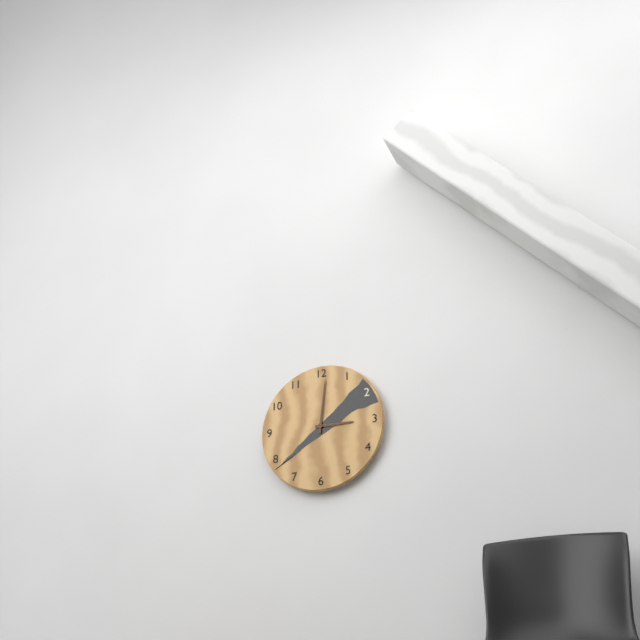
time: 3:01
